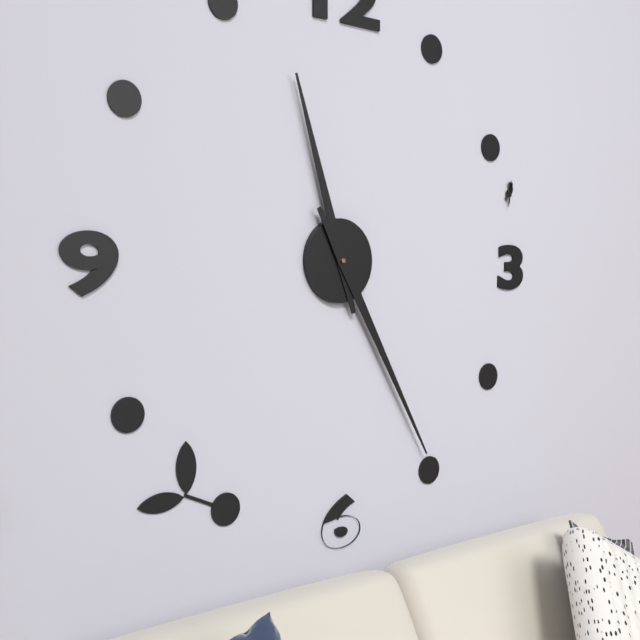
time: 11:25
